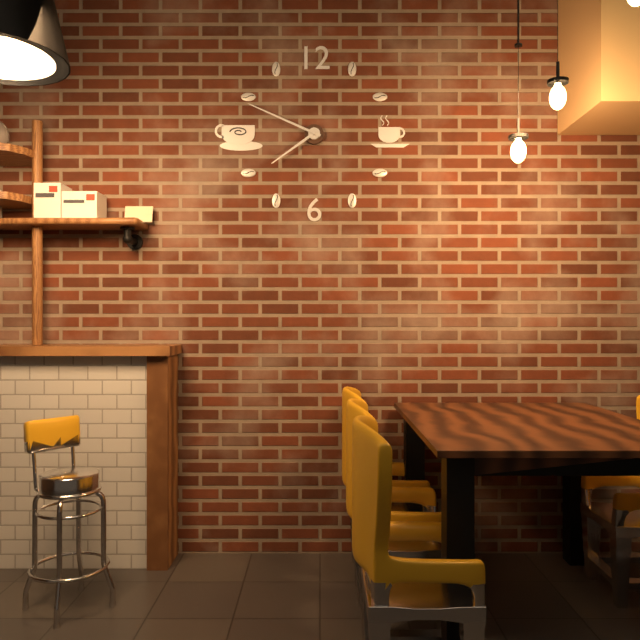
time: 7:49
